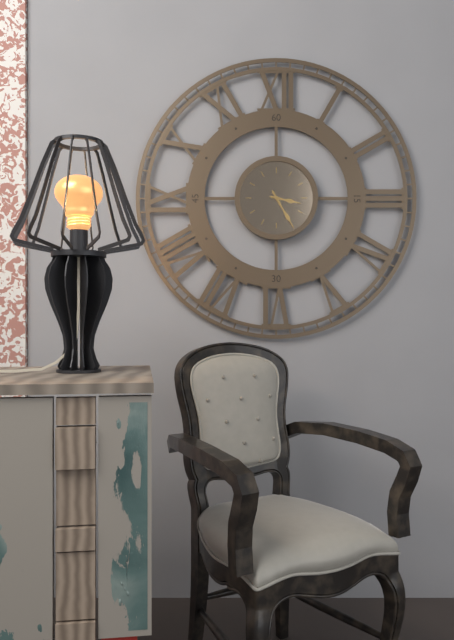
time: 3:25
